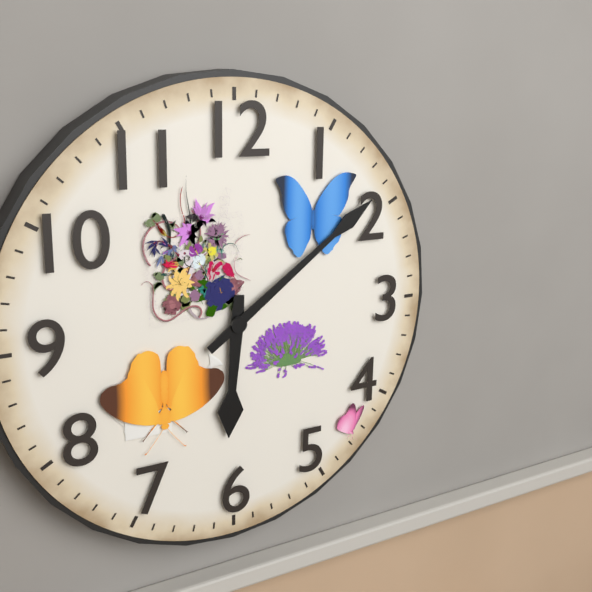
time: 6:09
